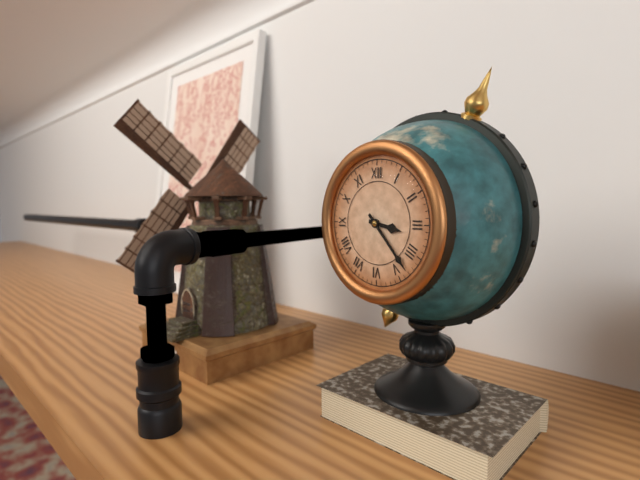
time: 3:23
